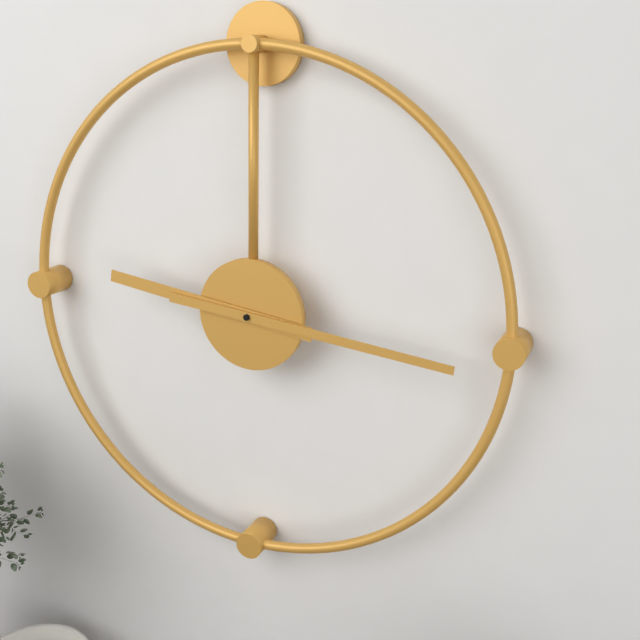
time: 9:16
